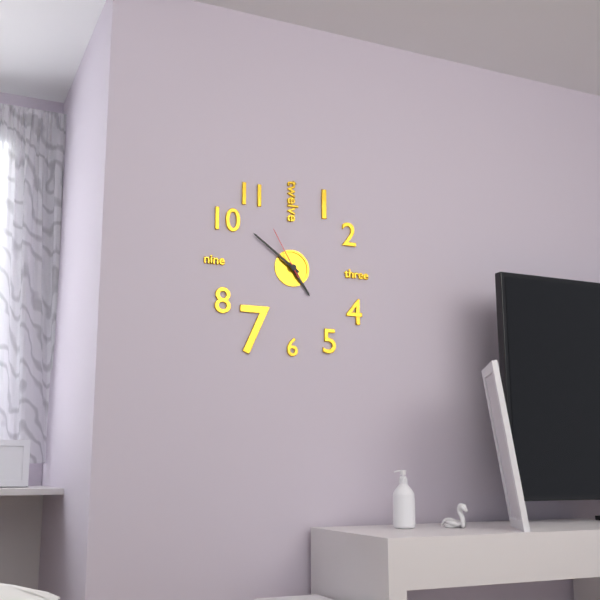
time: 4:51:55
